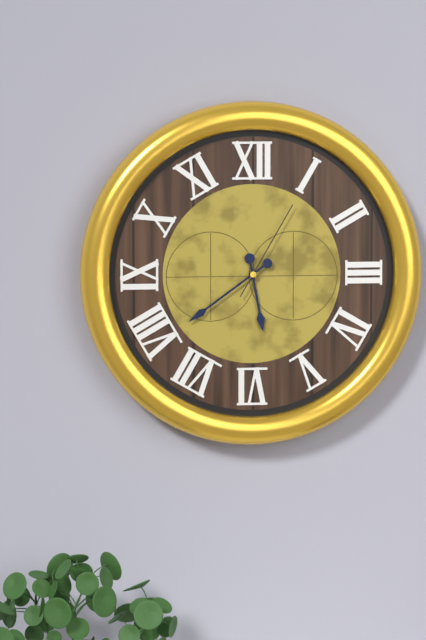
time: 5:39:05
